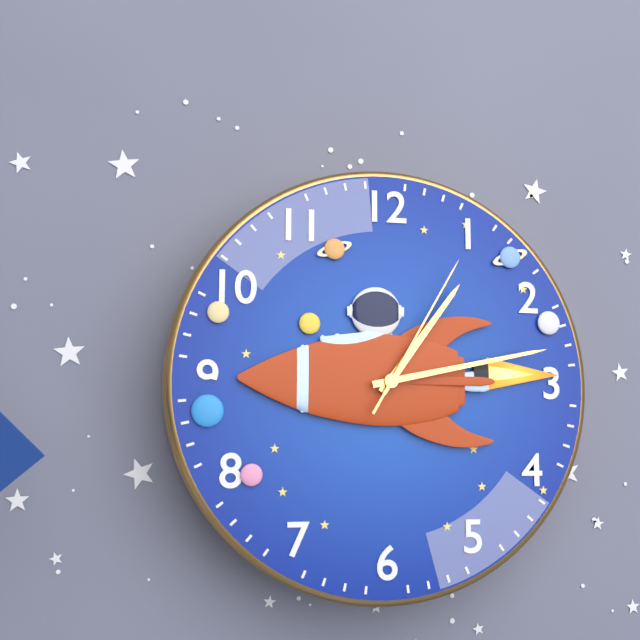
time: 1:13:05
